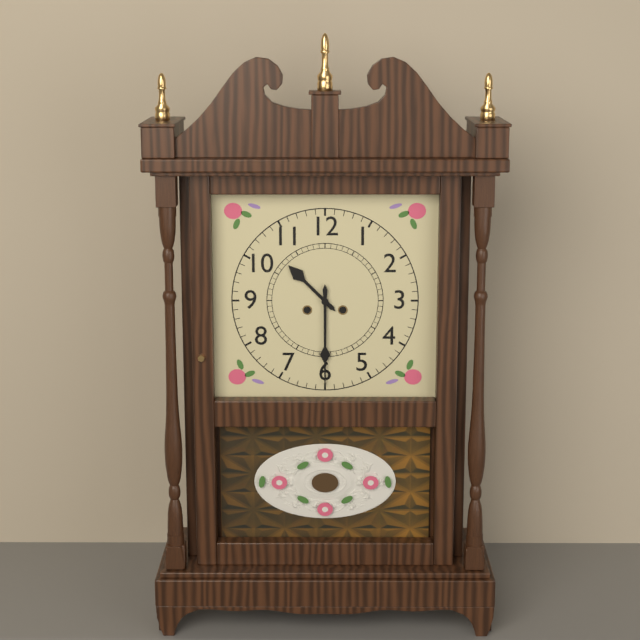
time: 10:30
